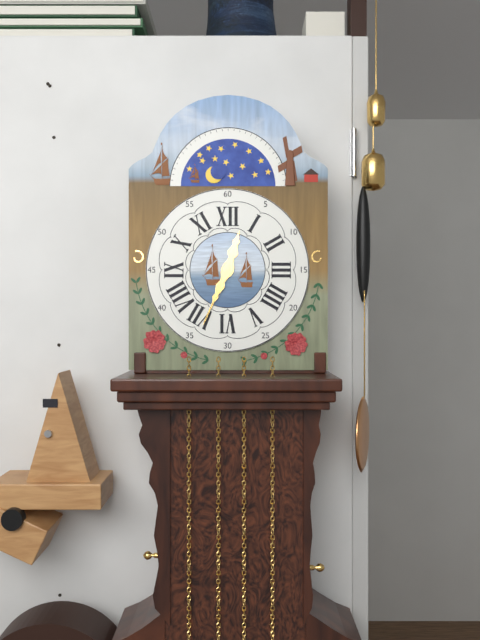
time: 12:34
